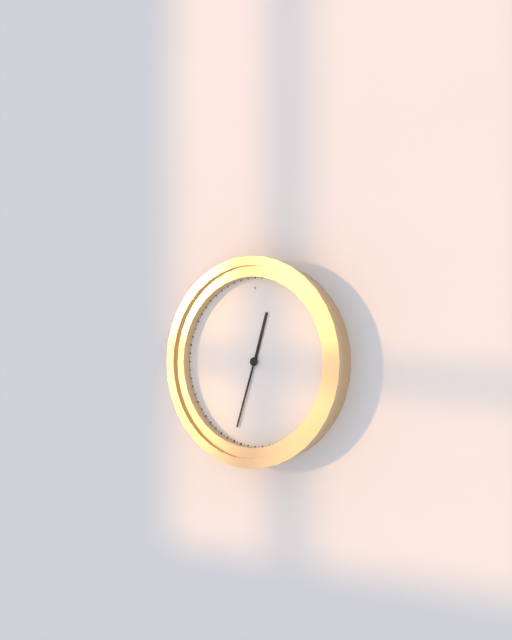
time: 12:33
